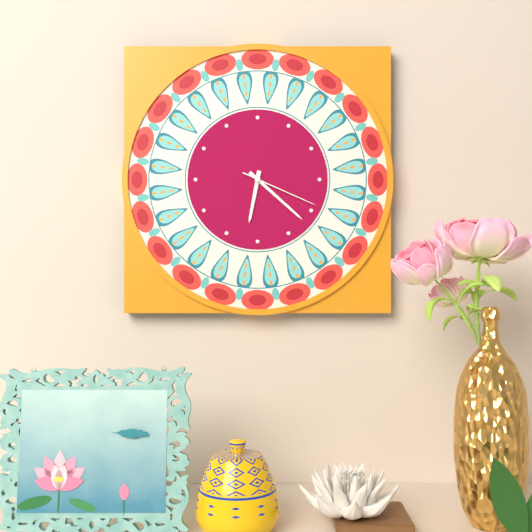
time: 6:22:19
